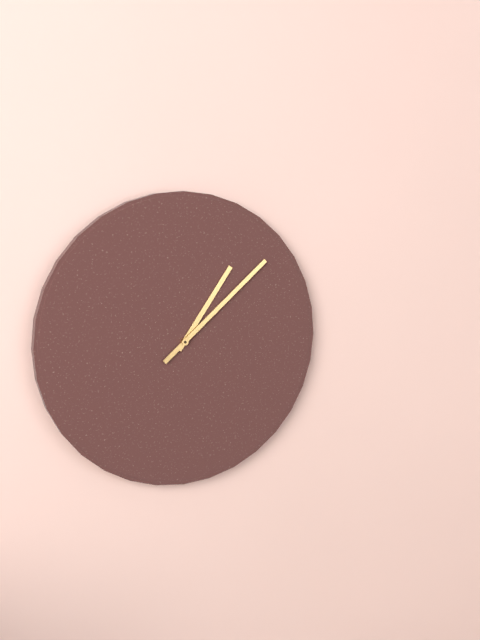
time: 1:08
